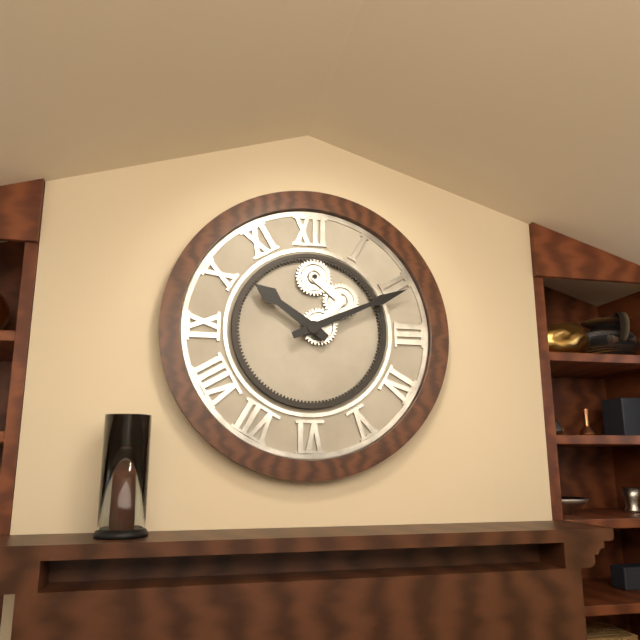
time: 10:11
